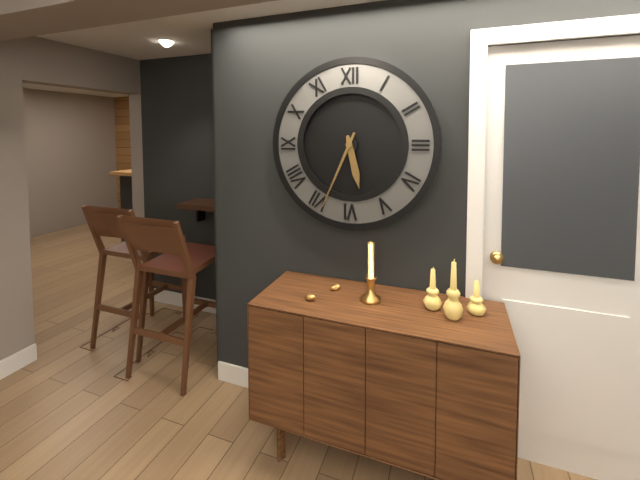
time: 5:34
